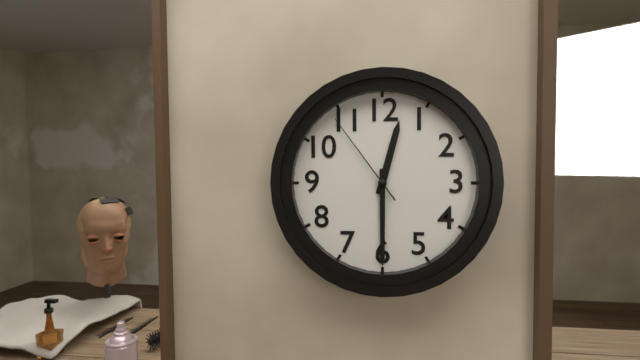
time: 12:30:54
